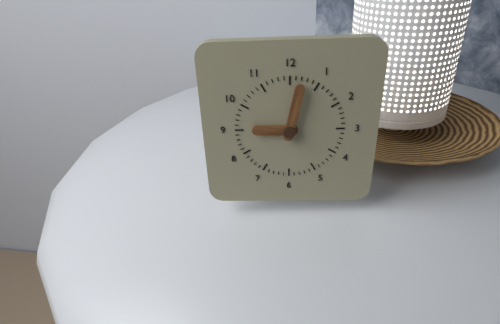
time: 9:02
